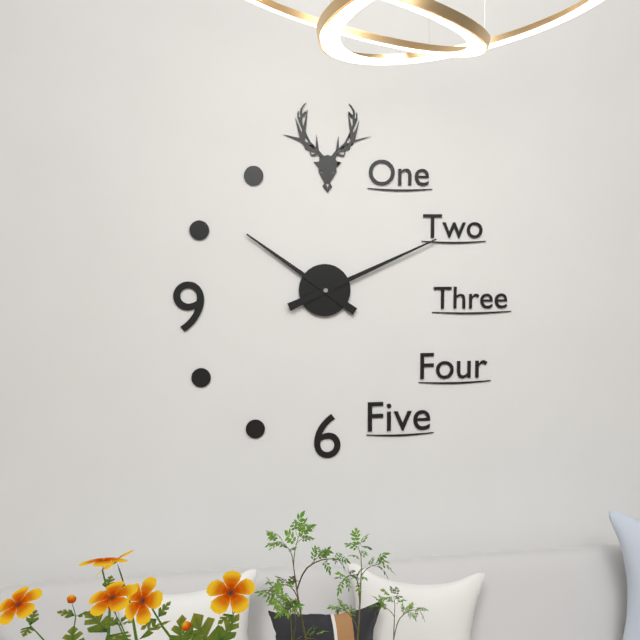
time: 10:11
